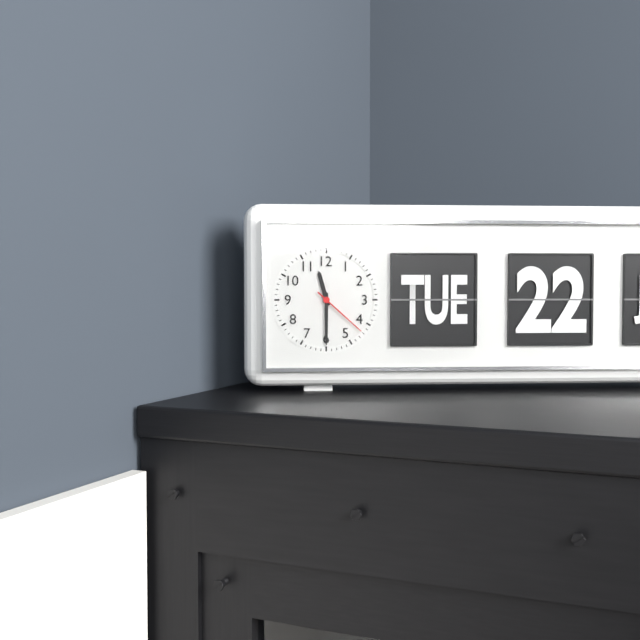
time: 11:30:22
